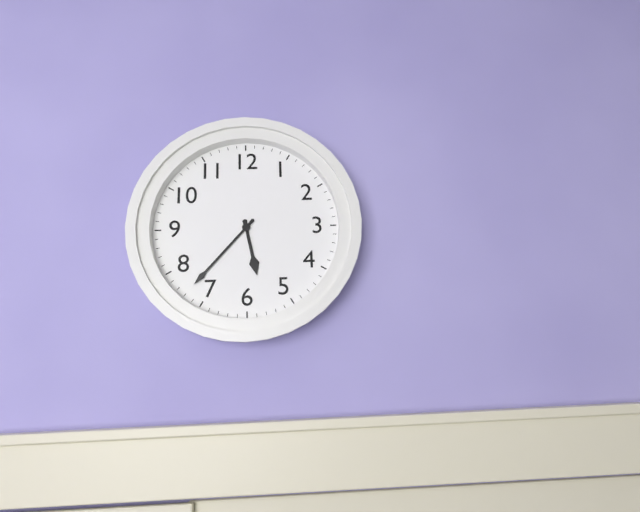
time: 5:37
